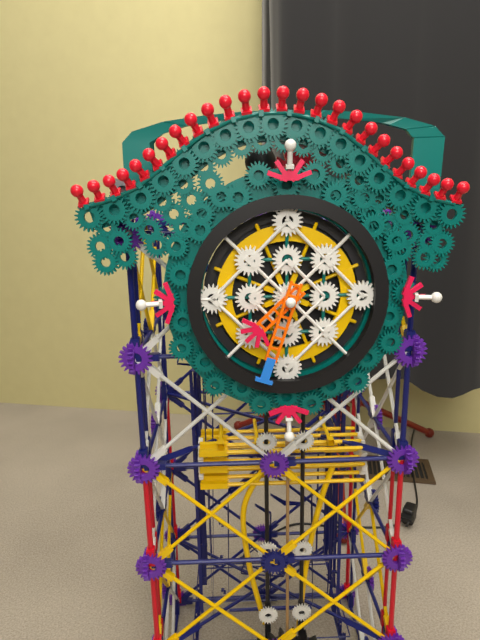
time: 7:33
